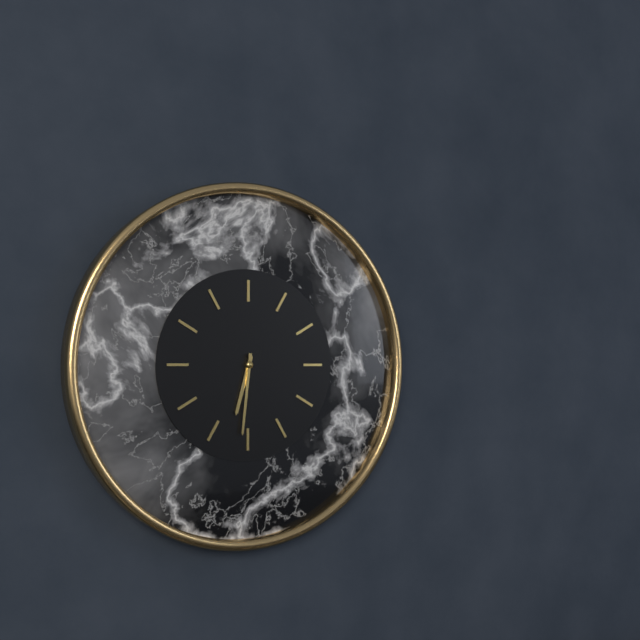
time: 6:31
